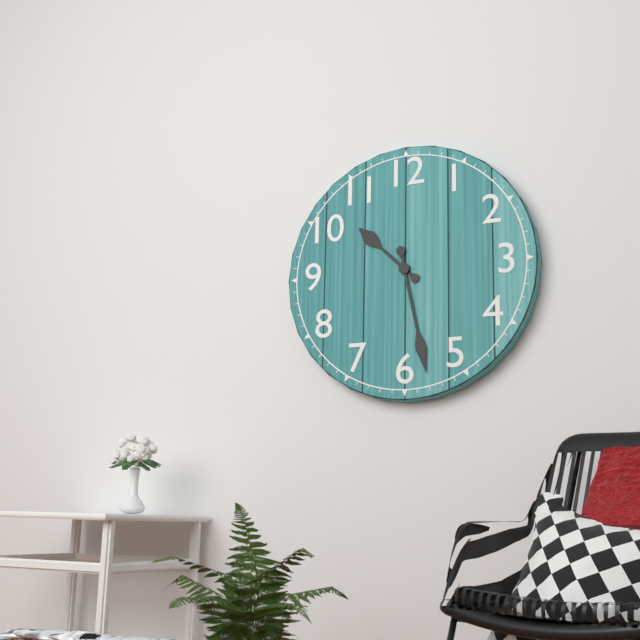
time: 10:28
